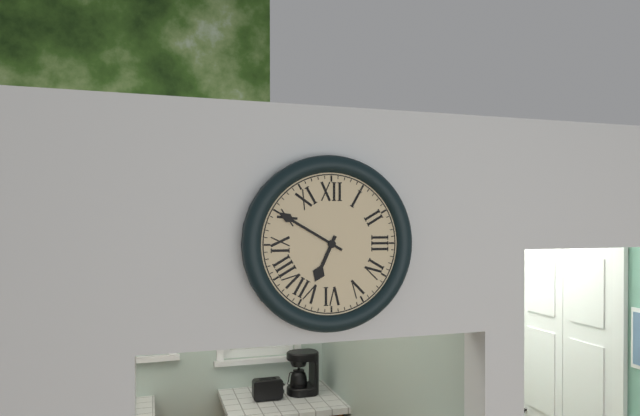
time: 6:50
